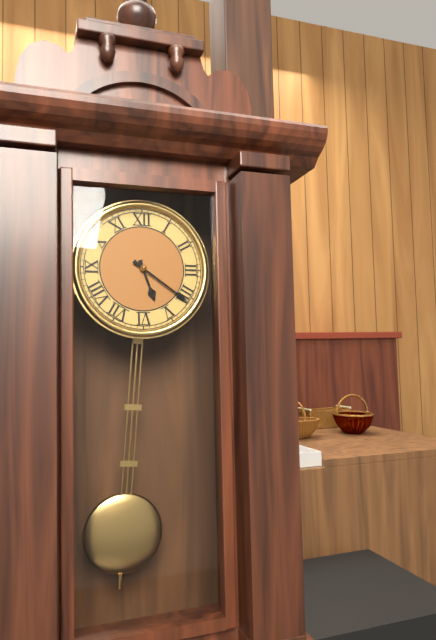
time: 5:21
